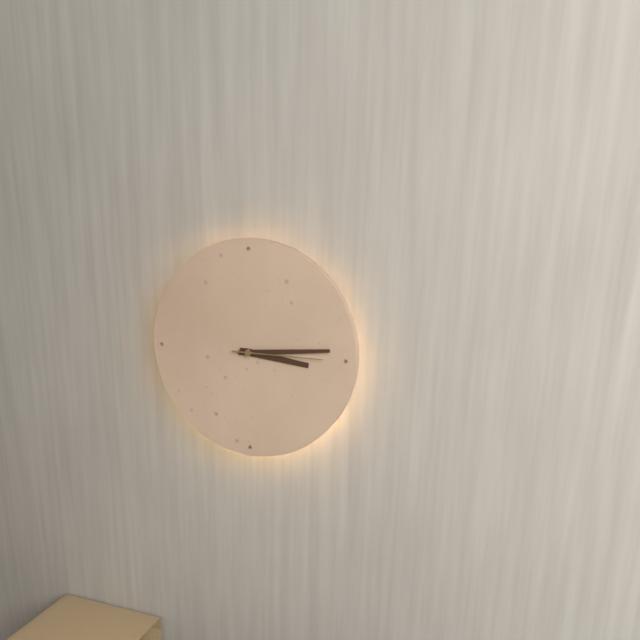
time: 3:14:15
